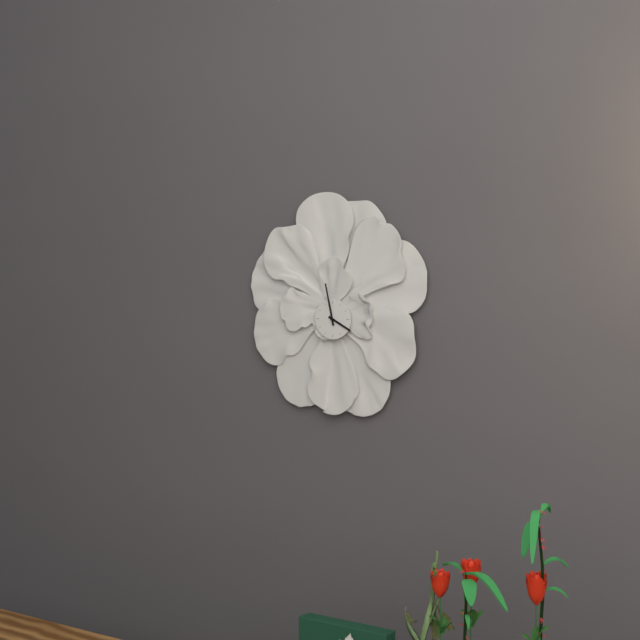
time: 3:58
